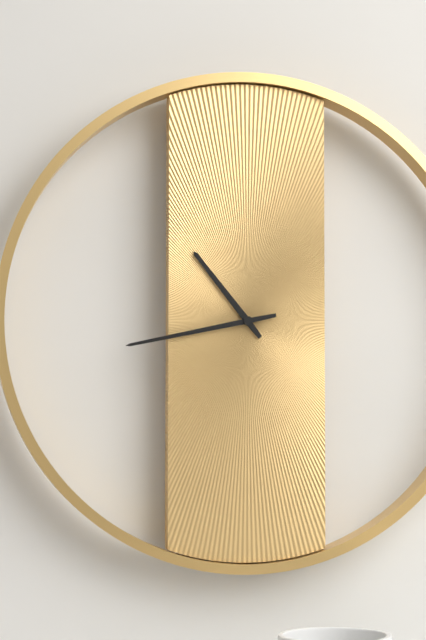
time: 10:43
